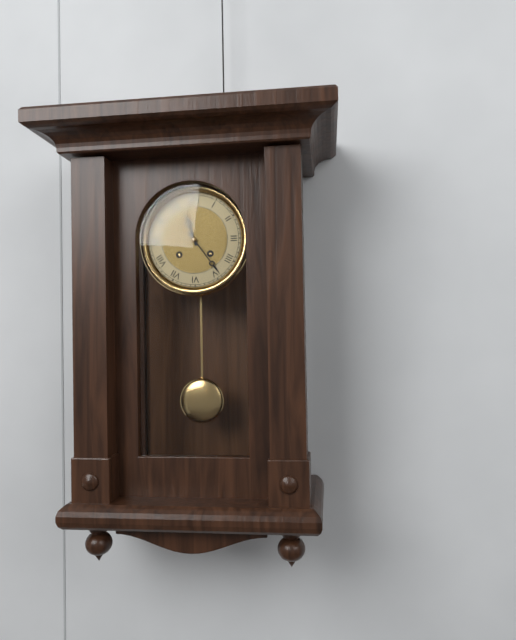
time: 11:24
